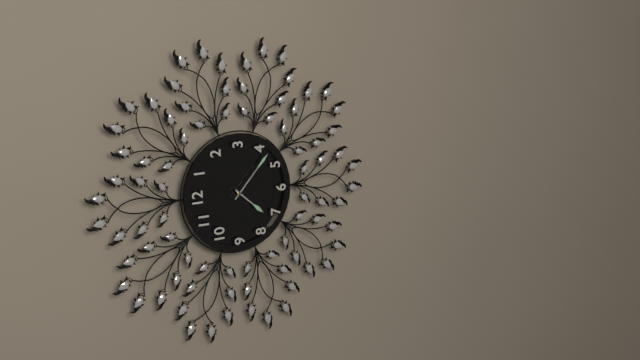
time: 7:22
